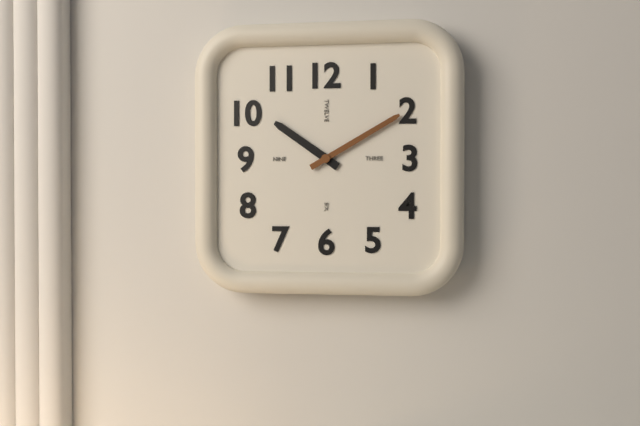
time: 10:10
